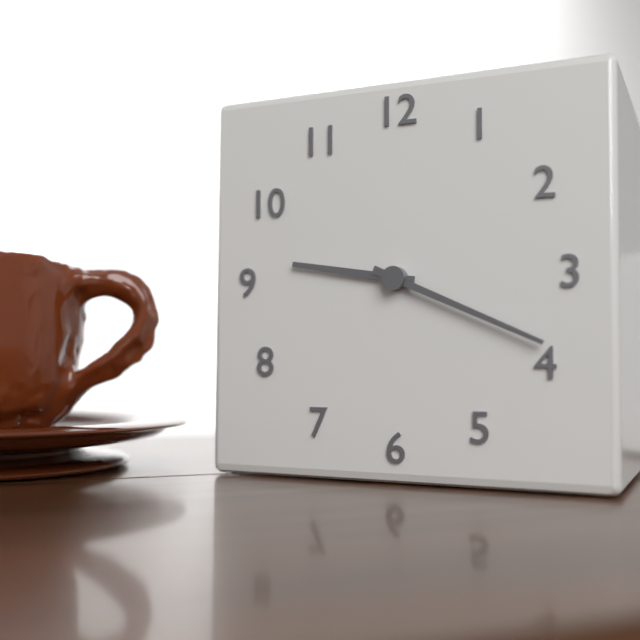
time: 9:19
